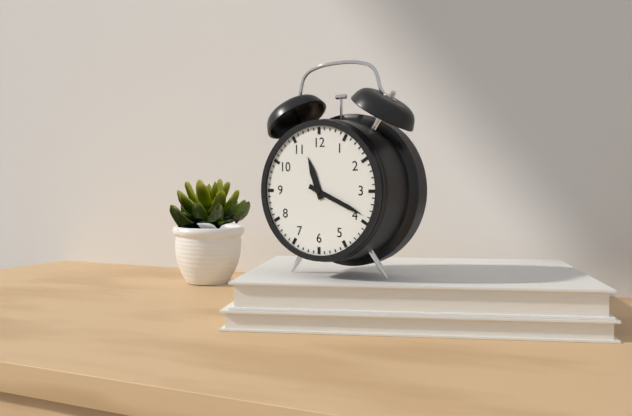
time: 11:19
